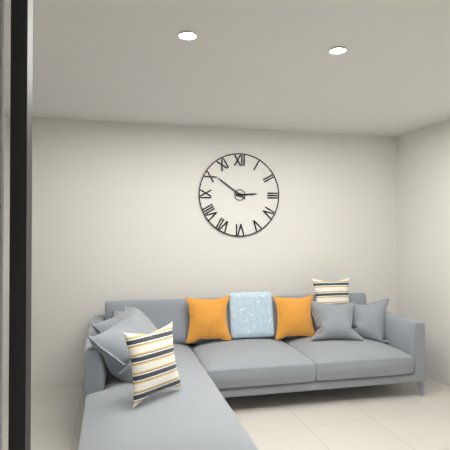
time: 2:51
